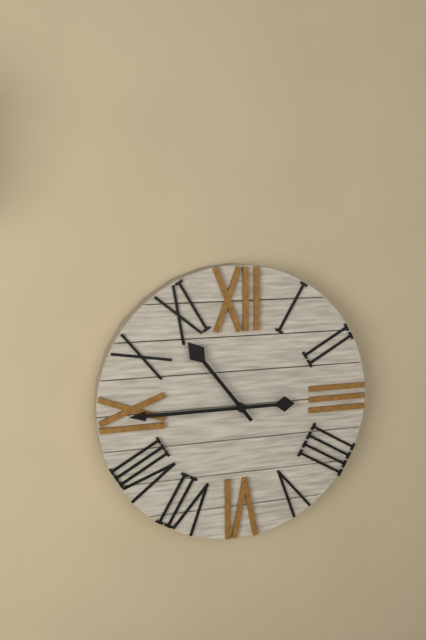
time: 10:45
